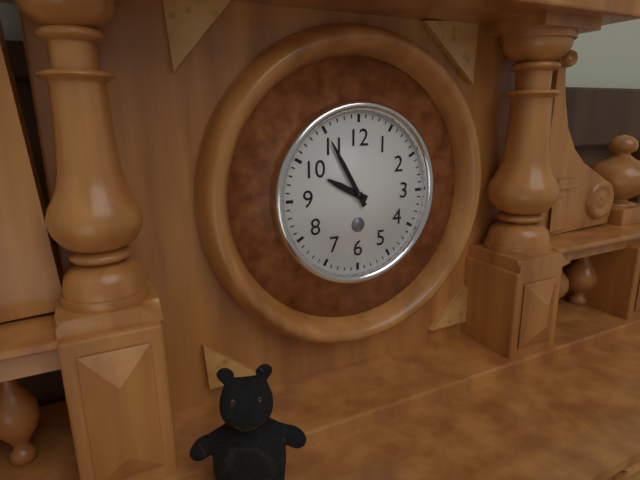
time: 9:55
